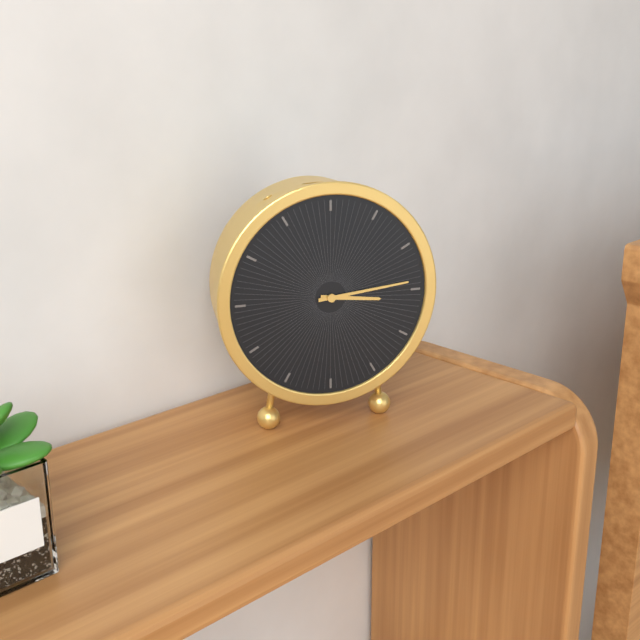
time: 3:14
